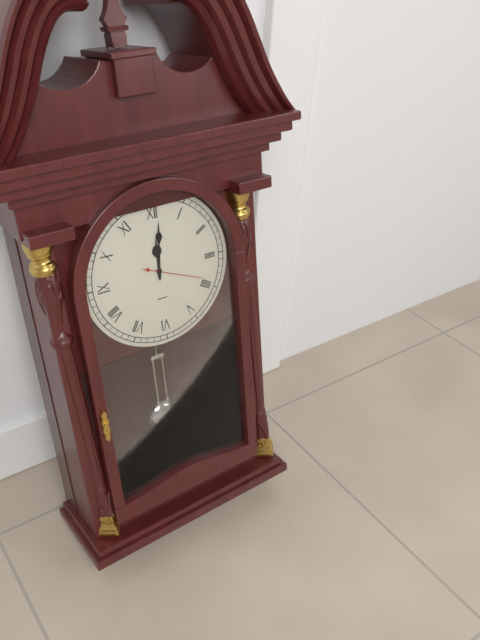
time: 12:01:19
